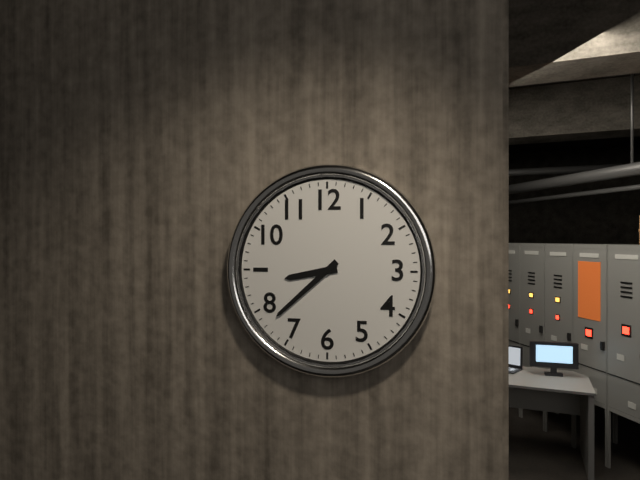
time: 8:38
